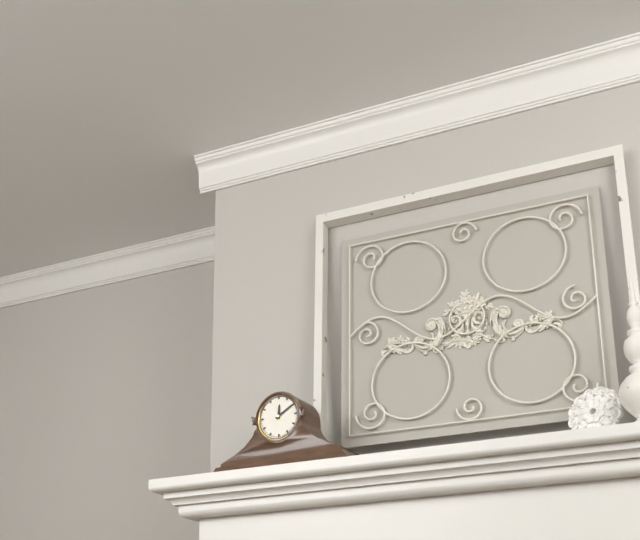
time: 12:10
